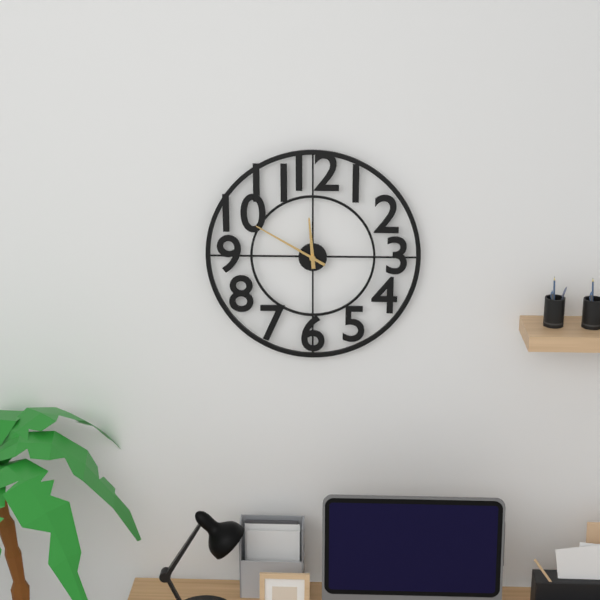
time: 11:50
